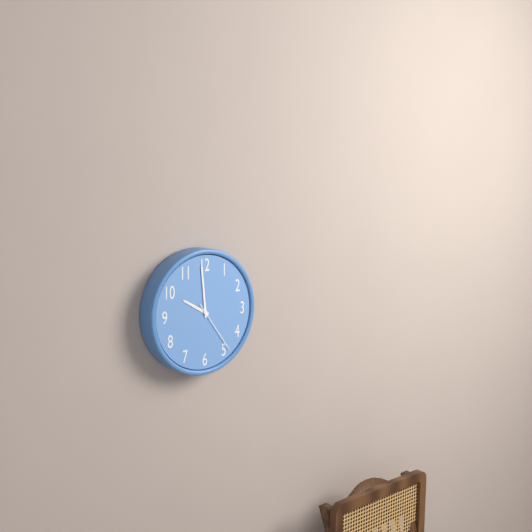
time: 9:59:24
